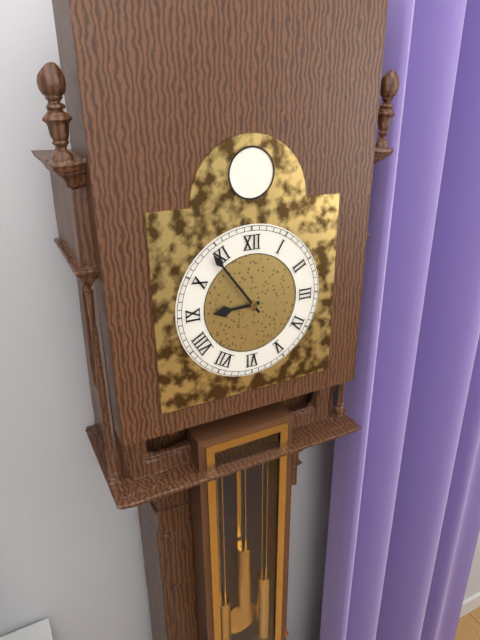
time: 8:54
